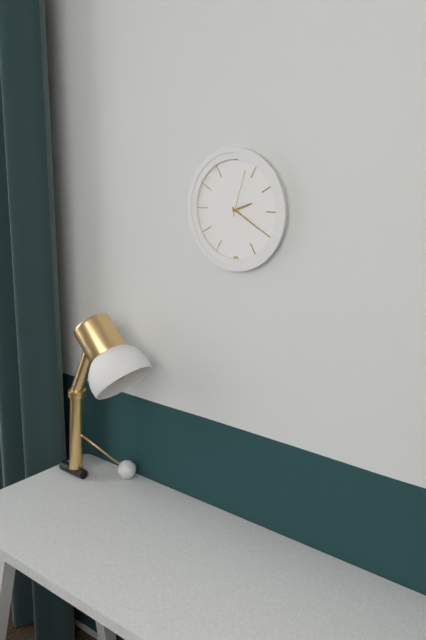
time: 2:20:03
